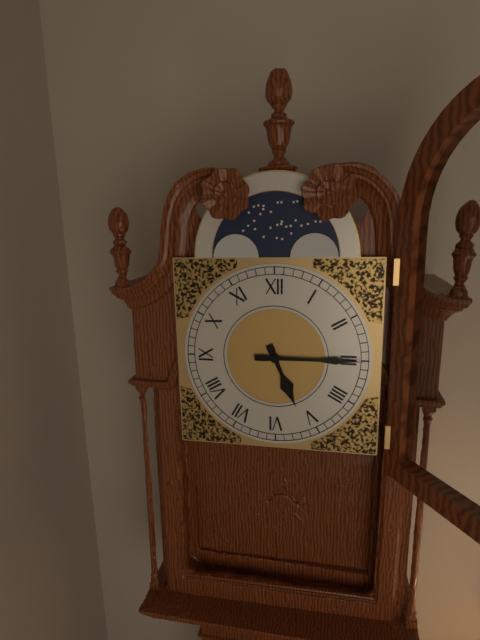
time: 5:15
